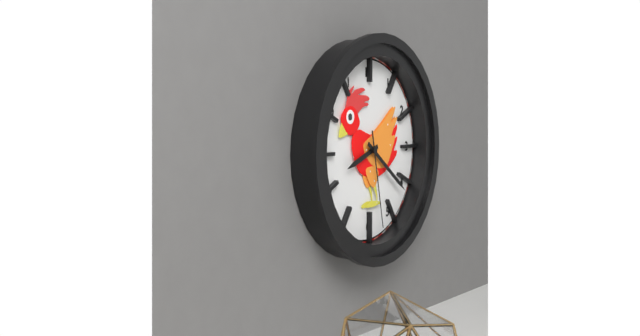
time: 8:21:28
